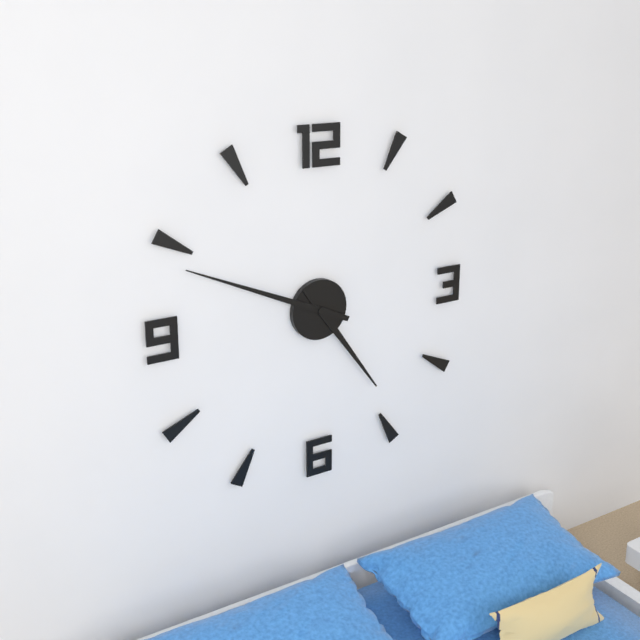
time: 4:49
